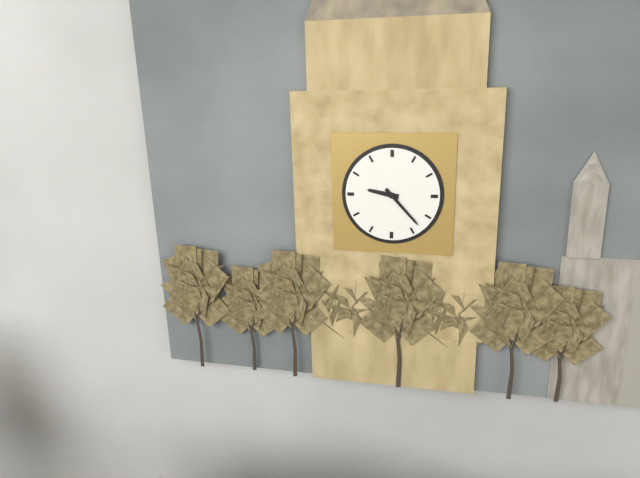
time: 9:23
